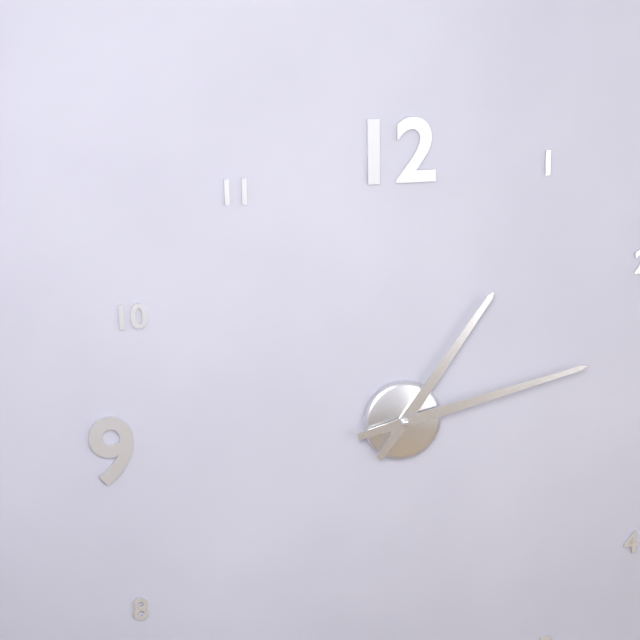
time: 1:13
